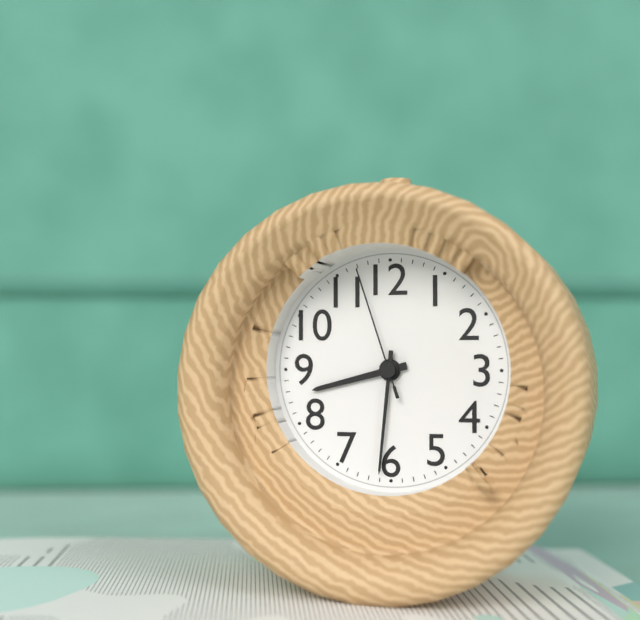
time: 8:31:57
